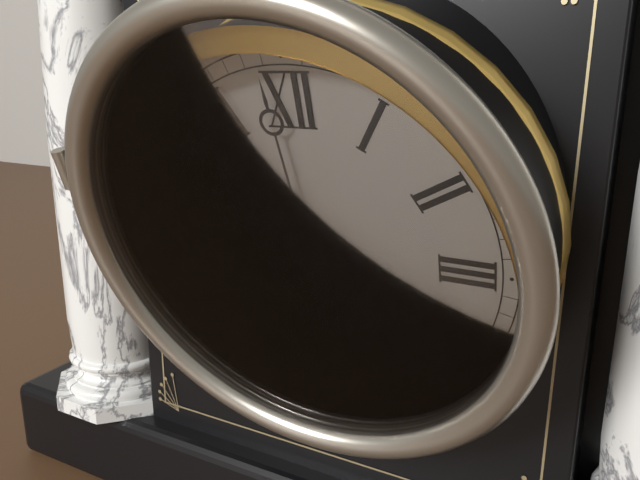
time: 10:59
